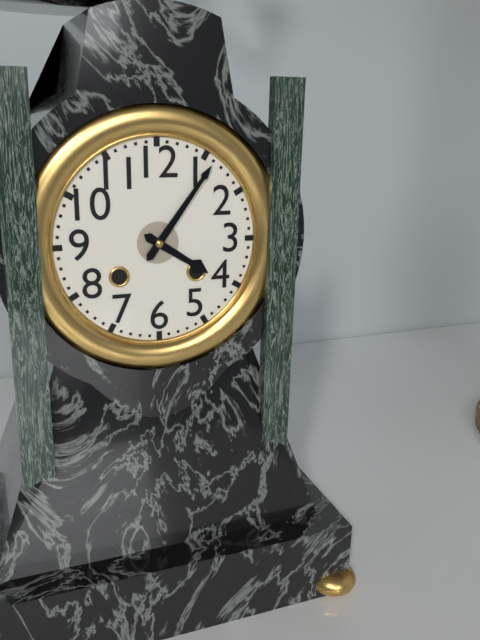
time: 4:06
